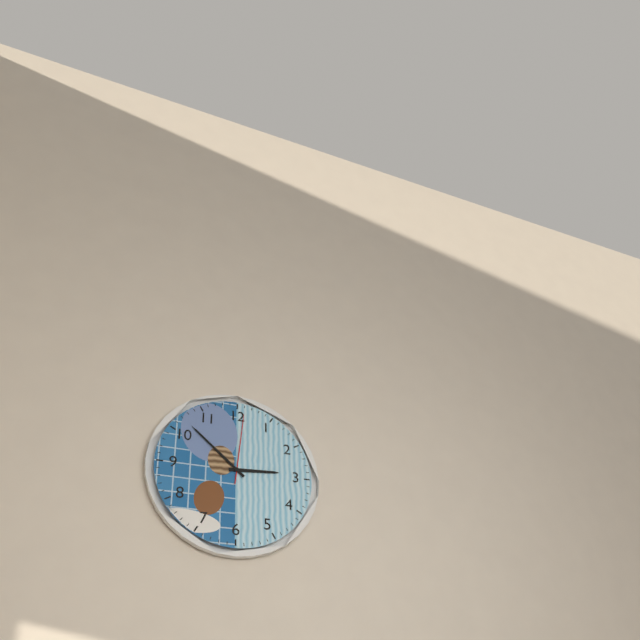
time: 2:52:01
